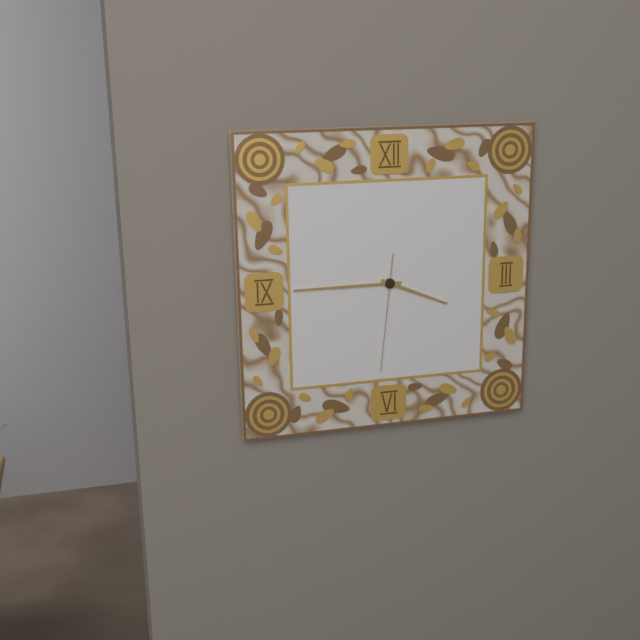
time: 3:45:31
